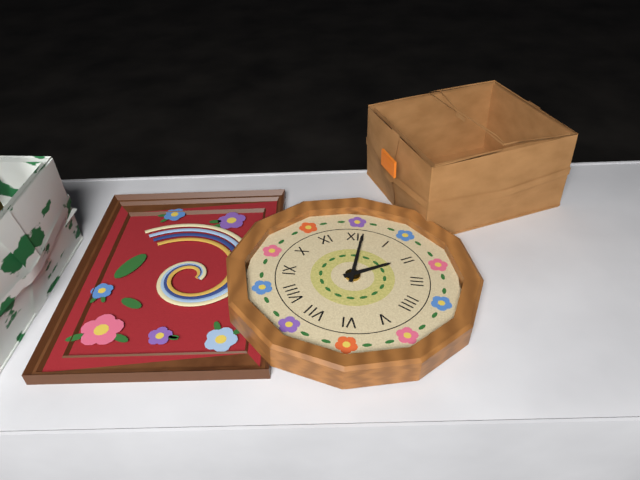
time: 2:01
